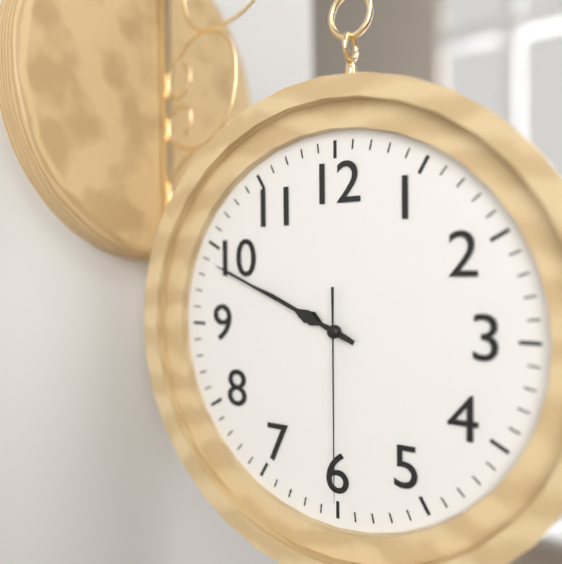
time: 9:49:30
